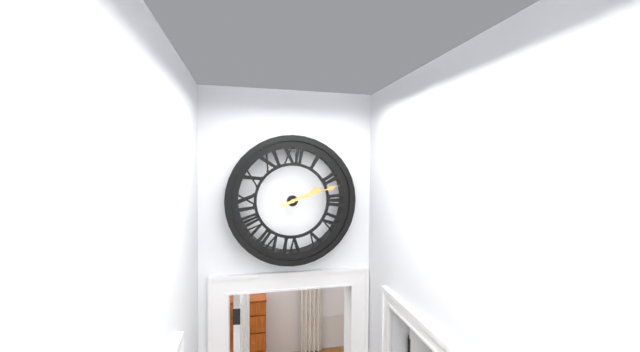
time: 2:12
